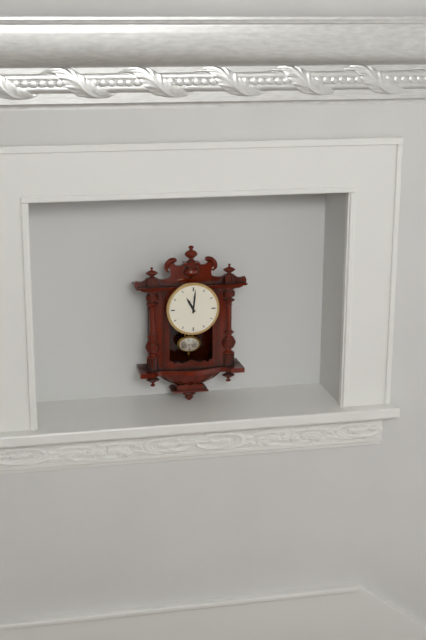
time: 11:01
